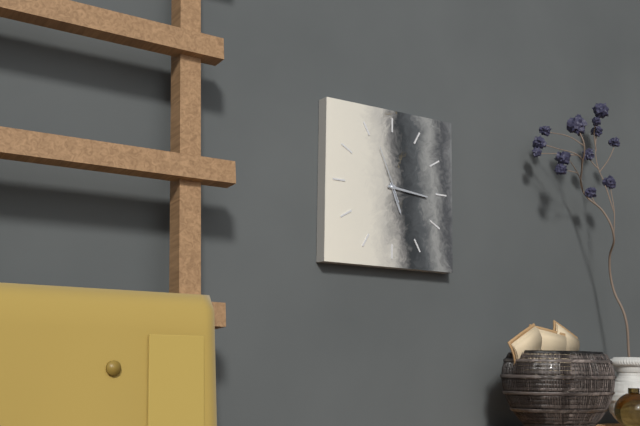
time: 5:16:56
